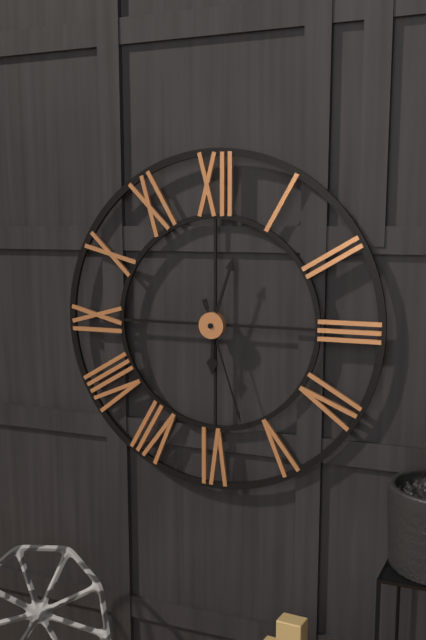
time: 6:03:27
